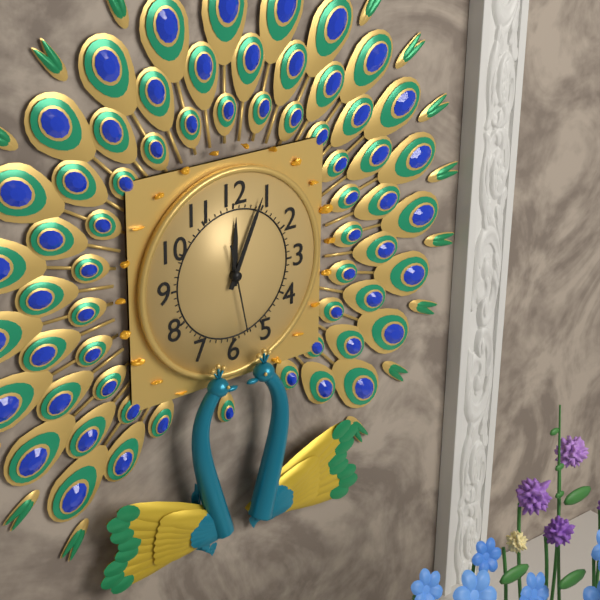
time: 12:04:28
